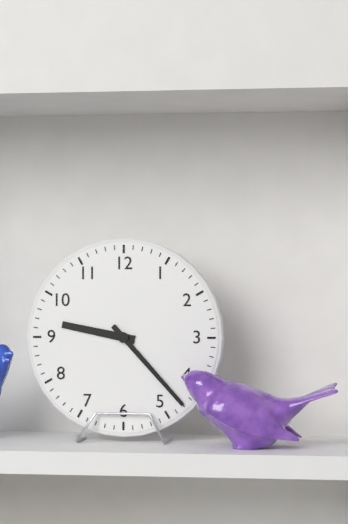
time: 9:23
